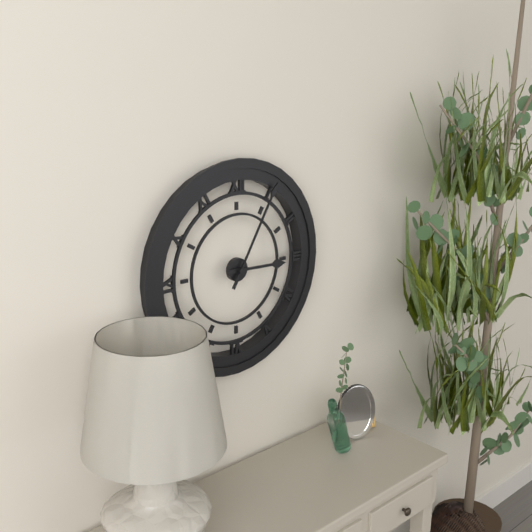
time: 3:05
